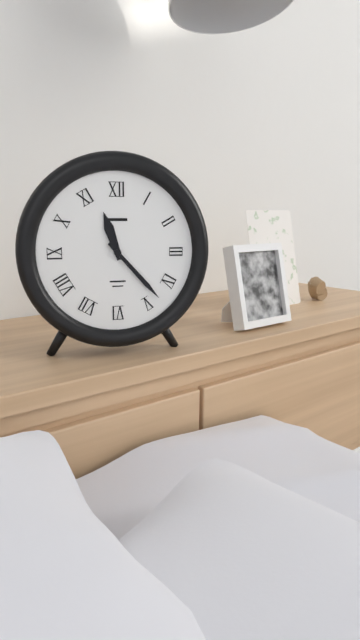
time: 11:23
